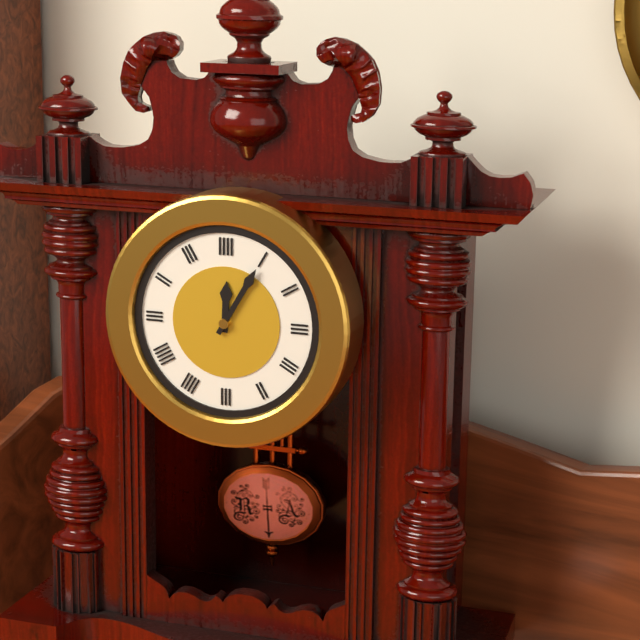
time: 12:05
